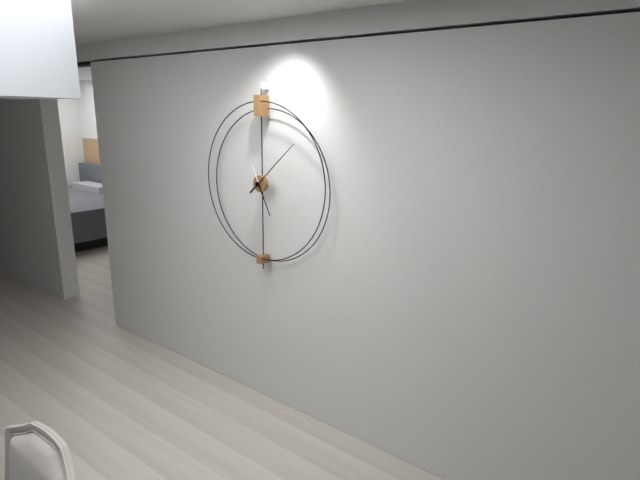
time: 5:08
